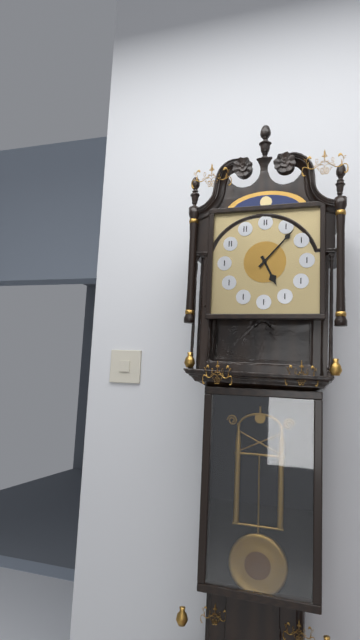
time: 5:07
